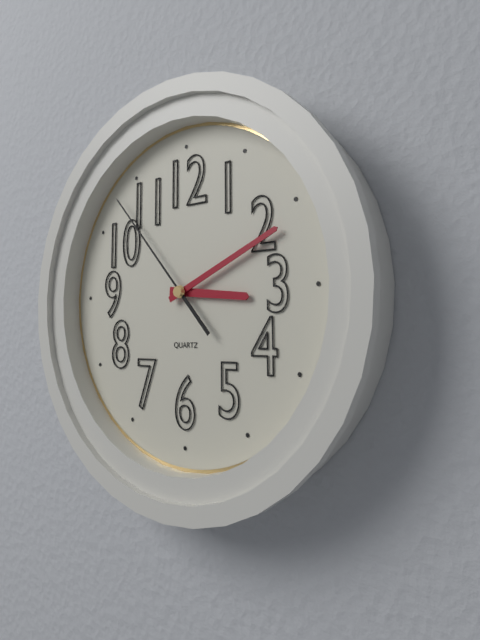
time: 3:11:53
